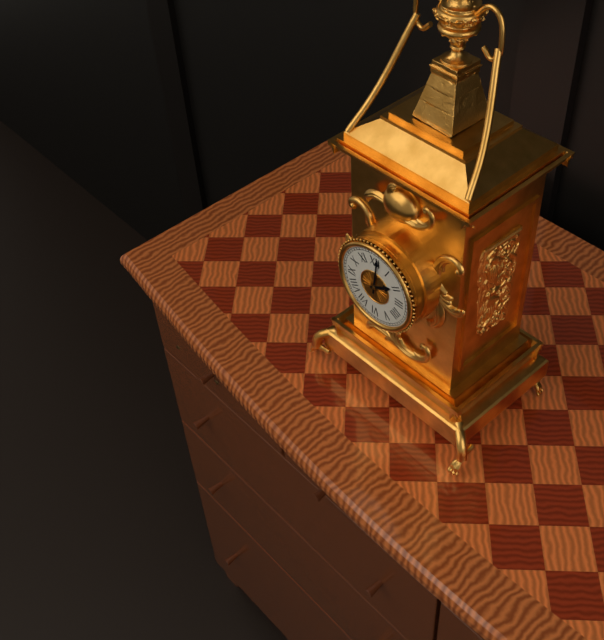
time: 2:01
